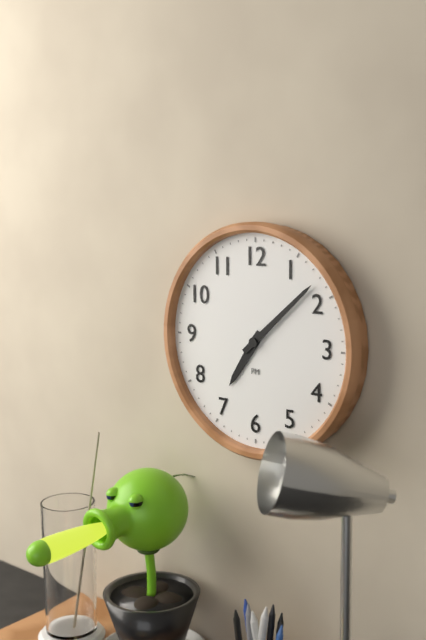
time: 7:08
